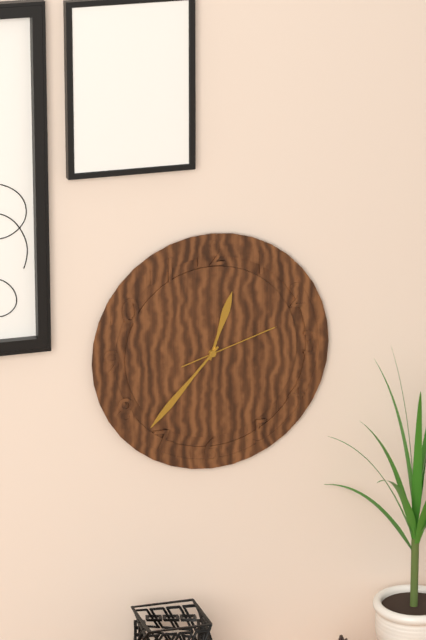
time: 12:37:12
